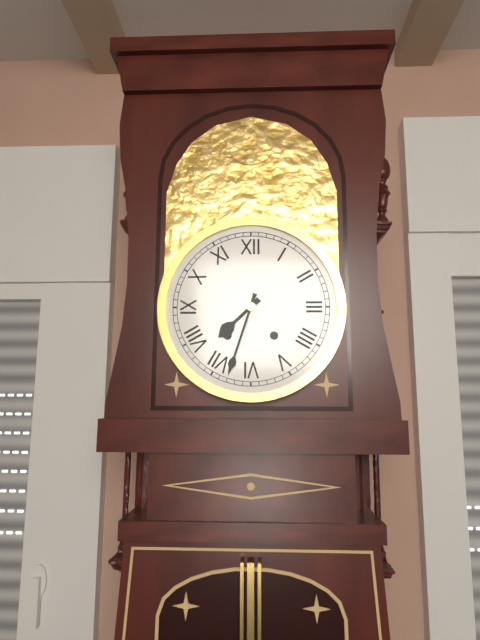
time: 7:33
